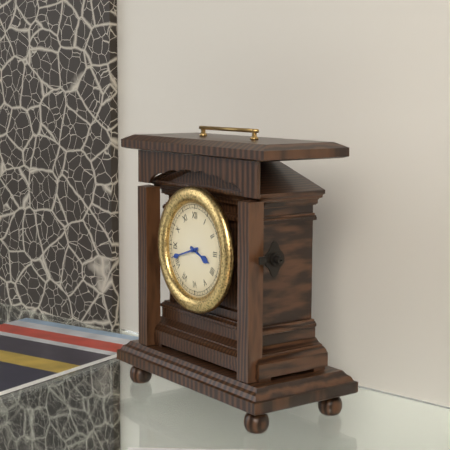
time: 3:42
